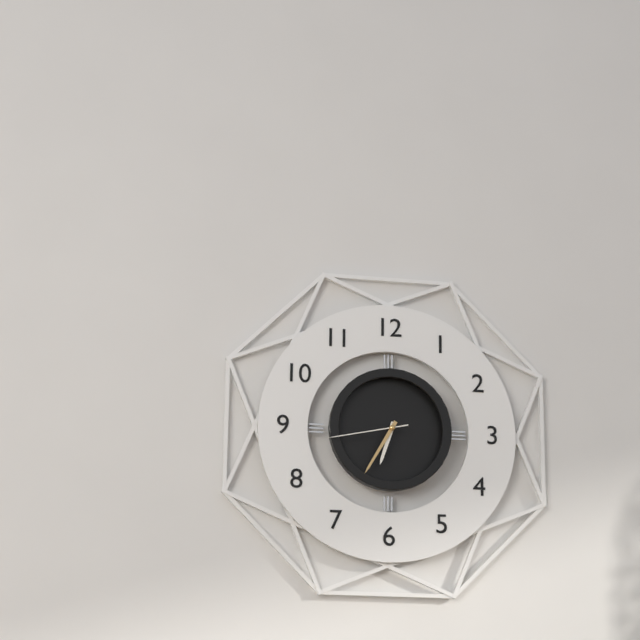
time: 6:35:43
